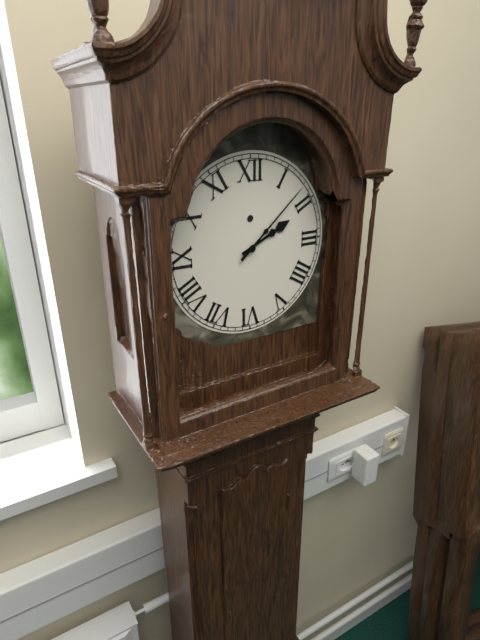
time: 2:08
